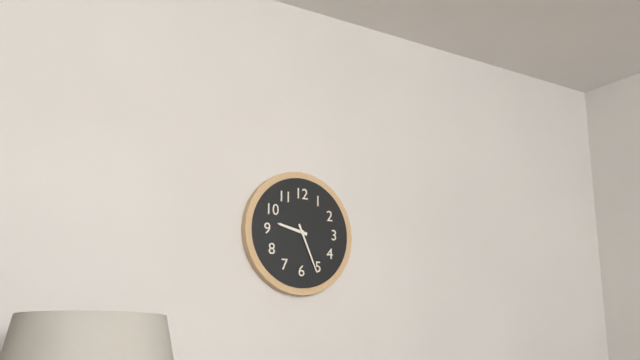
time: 9:26
